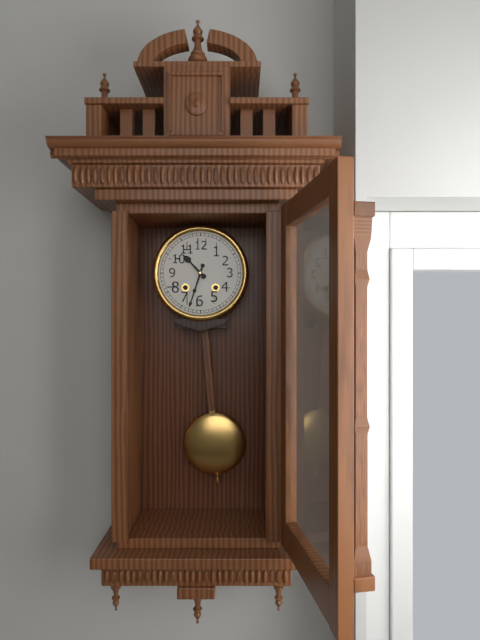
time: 10:33
